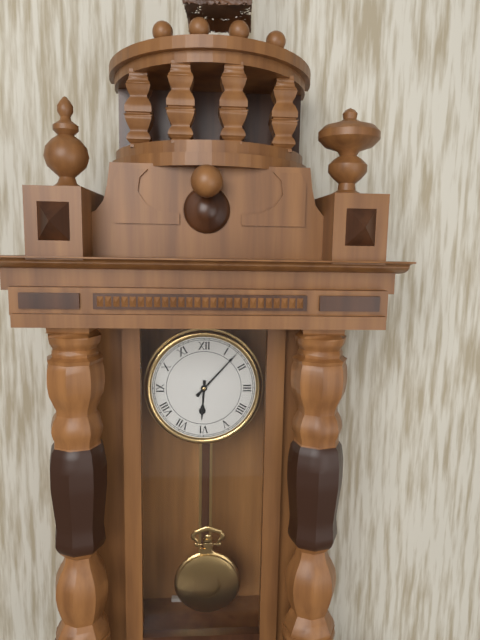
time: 6:07
